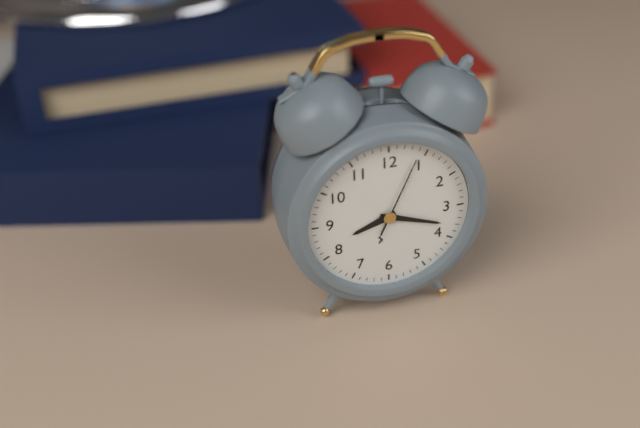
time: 8:18:04
